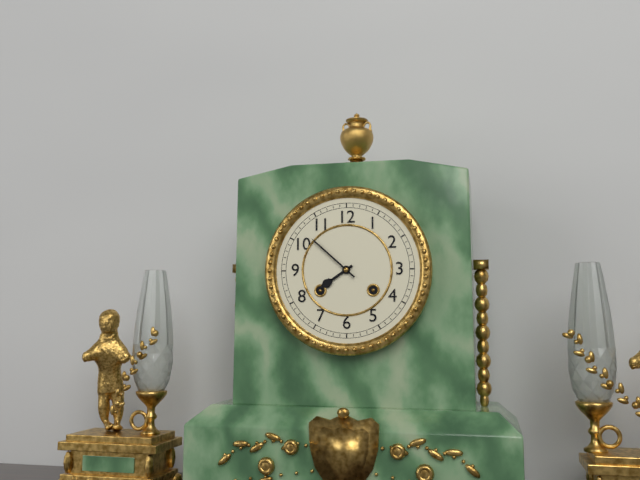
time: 7:52
